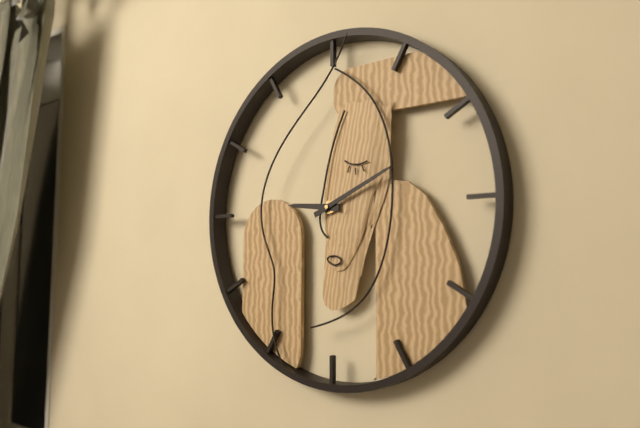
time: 9:11
